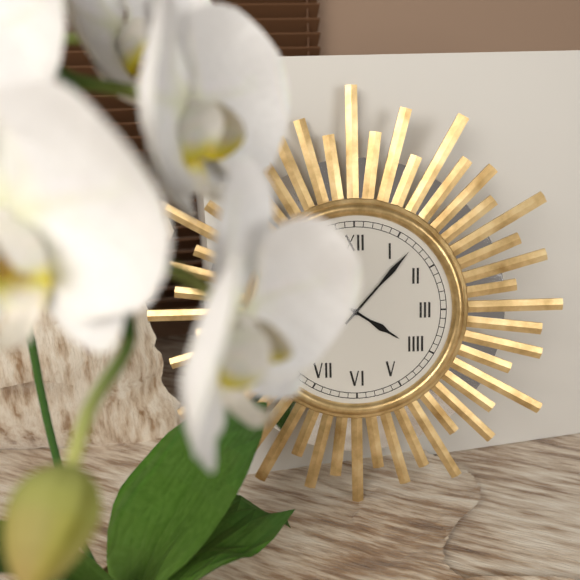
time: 4:07
